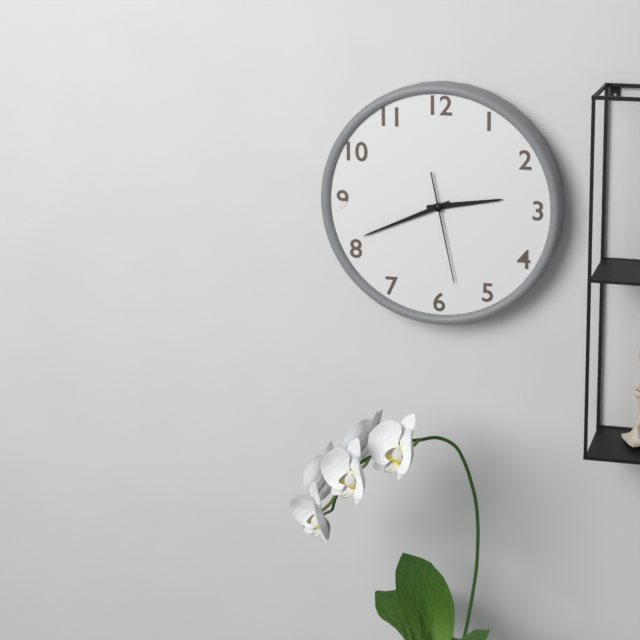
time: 2:41:28
